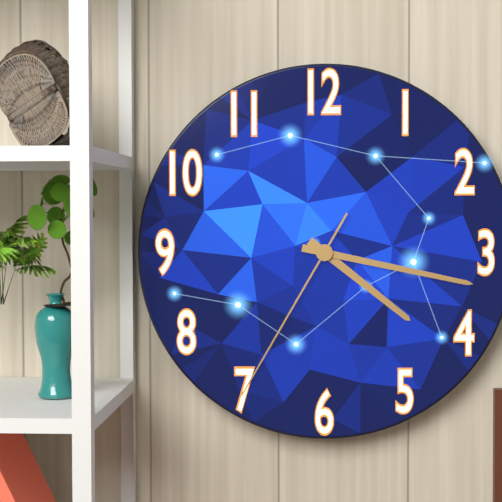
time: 4:17:35
